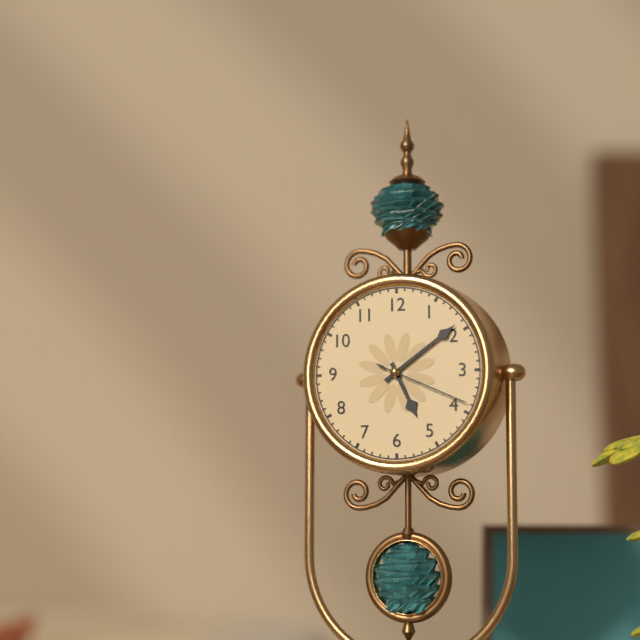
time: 5:09:19
